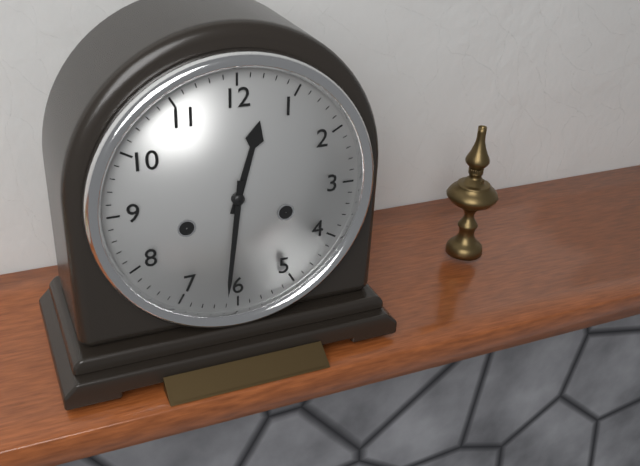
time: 12:31
